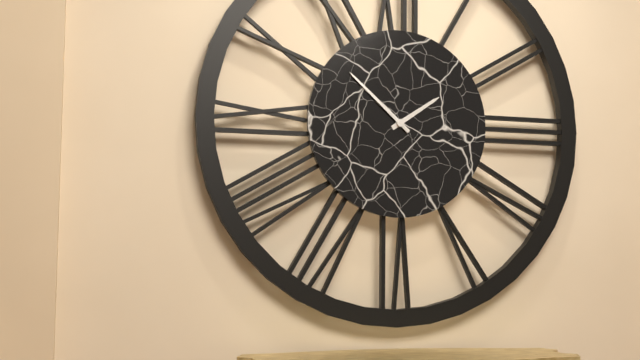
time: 1:52
